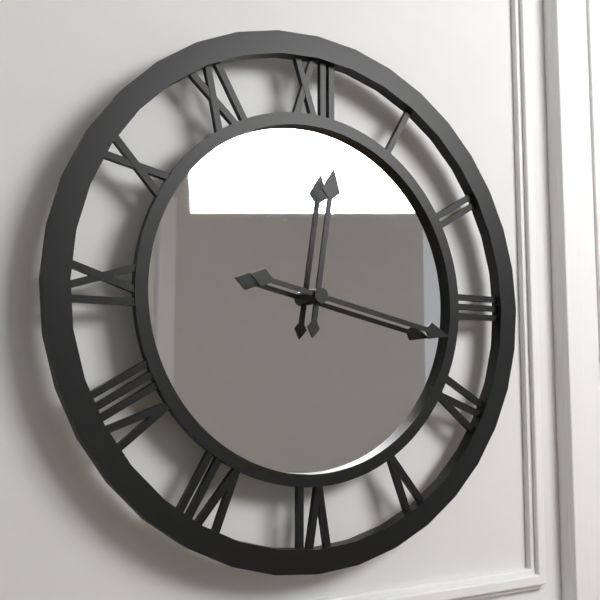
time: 12:17
